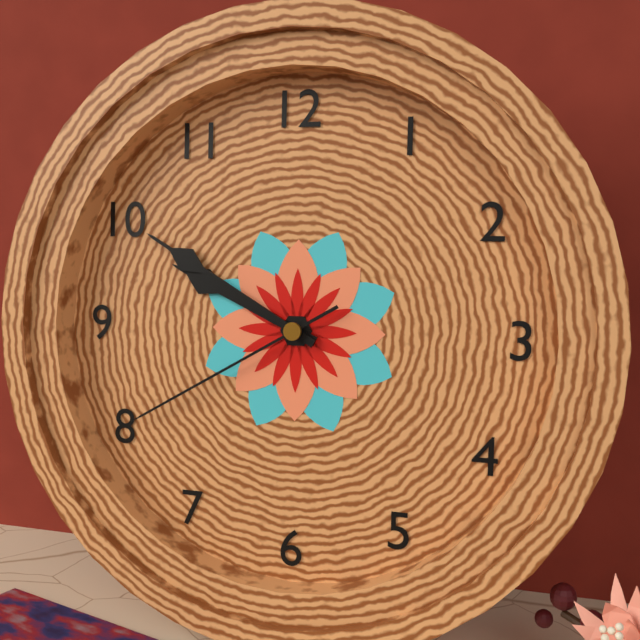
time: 9:50:40
